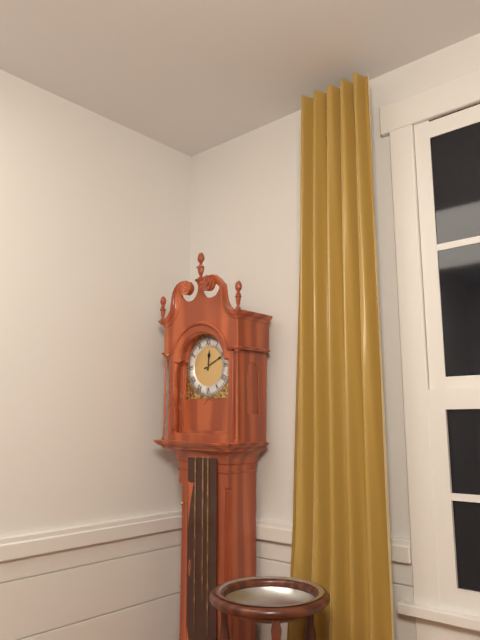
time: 12:11
